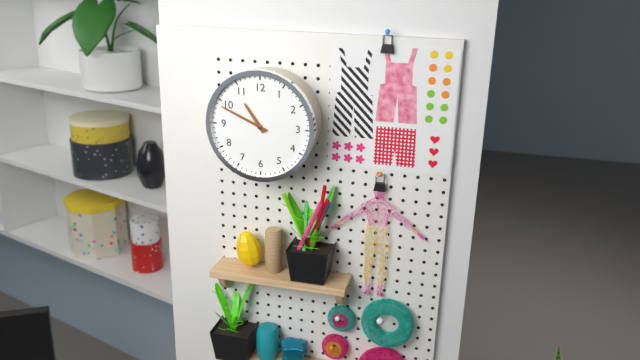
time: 10:49
